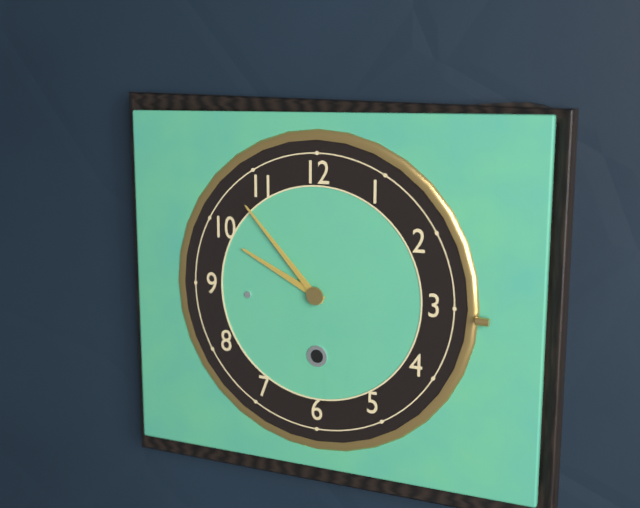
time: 9:53
